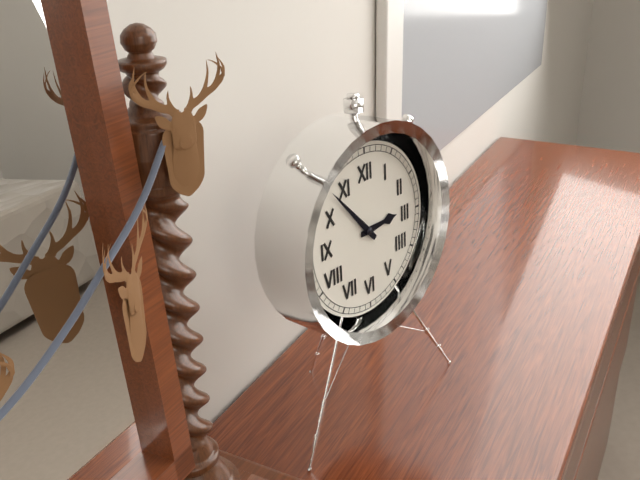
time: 2:53
